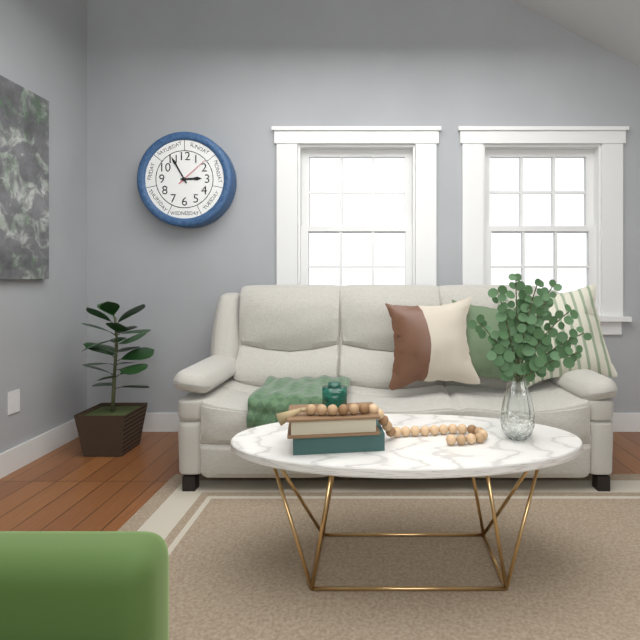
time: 2:55
